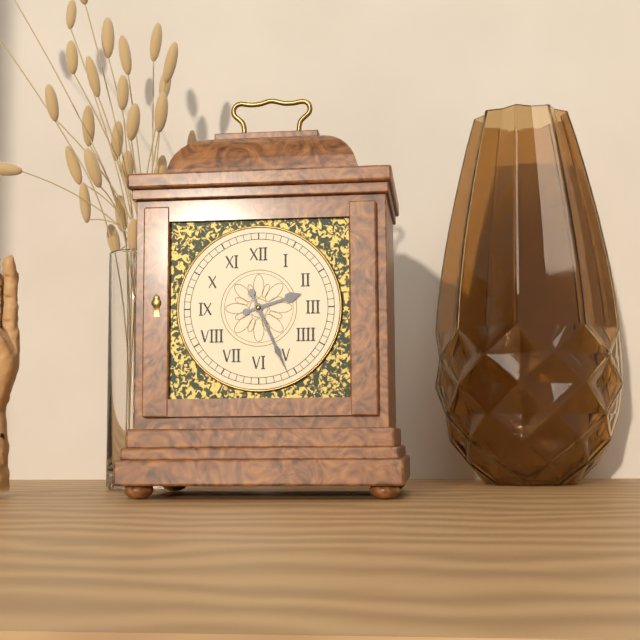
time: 2:26
